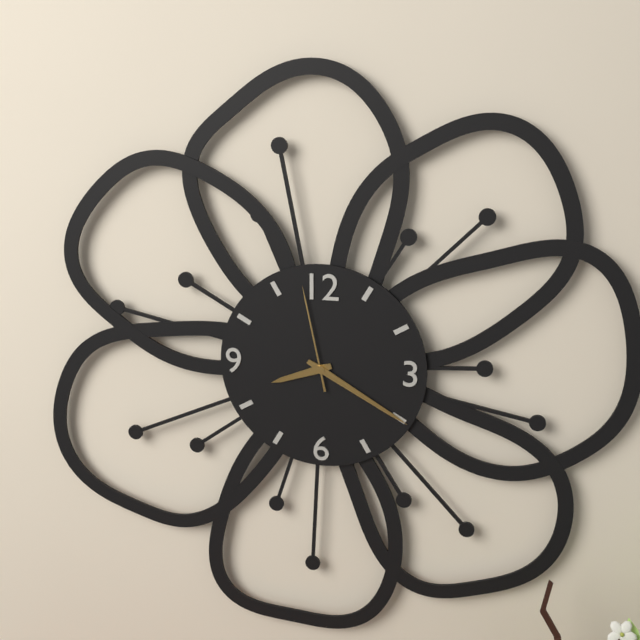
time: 8:20:58
